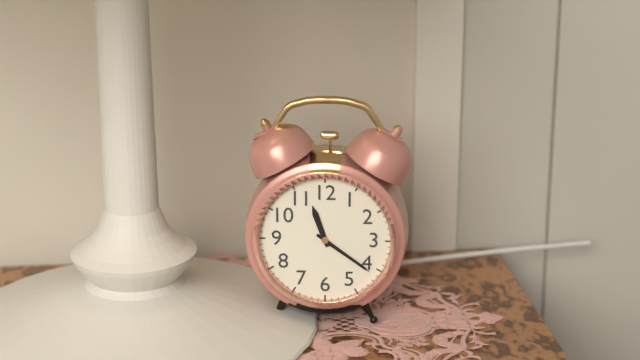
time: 11:21
